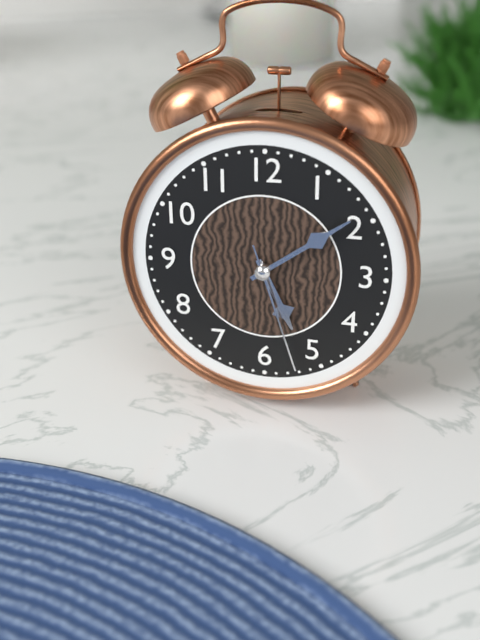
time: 5:09:27
